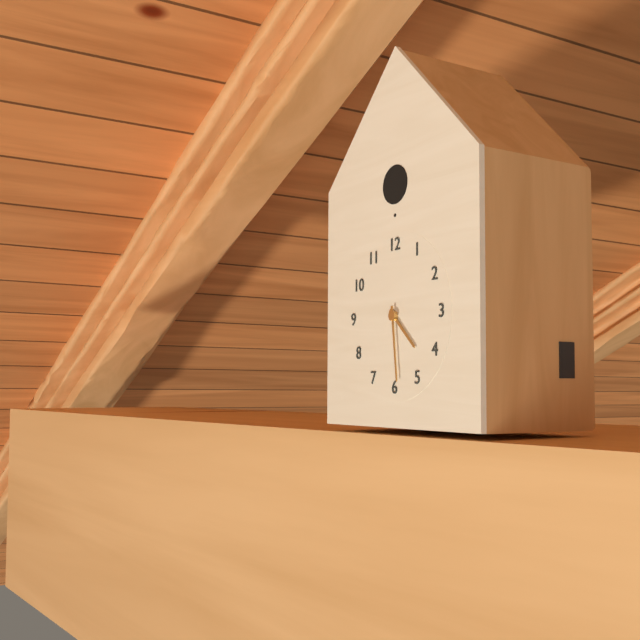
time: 4:29
